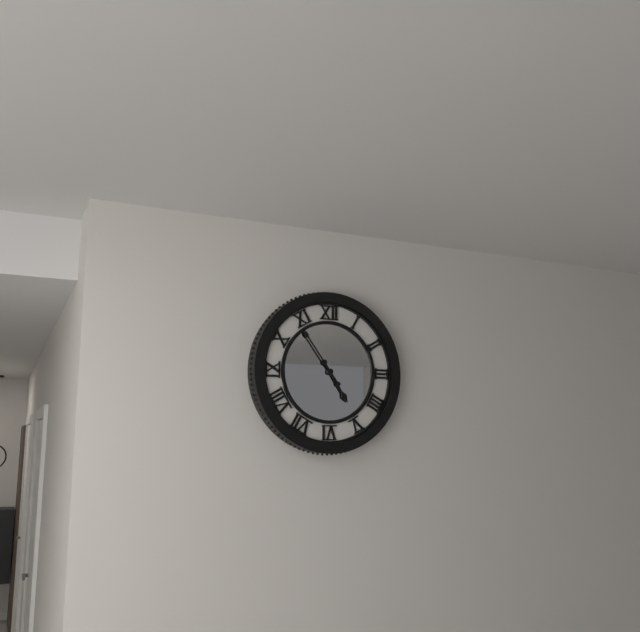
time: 4:54
